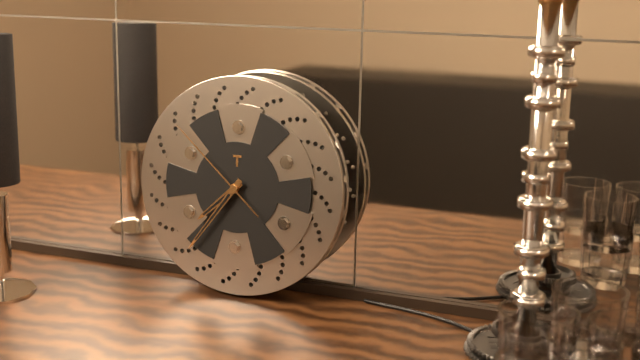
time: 7:36:52
